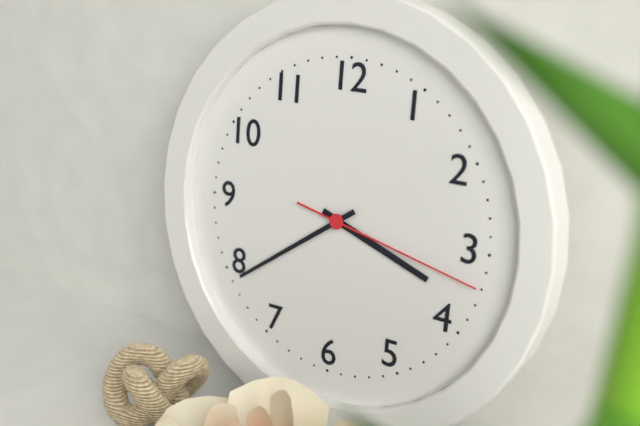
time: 3:39:17
